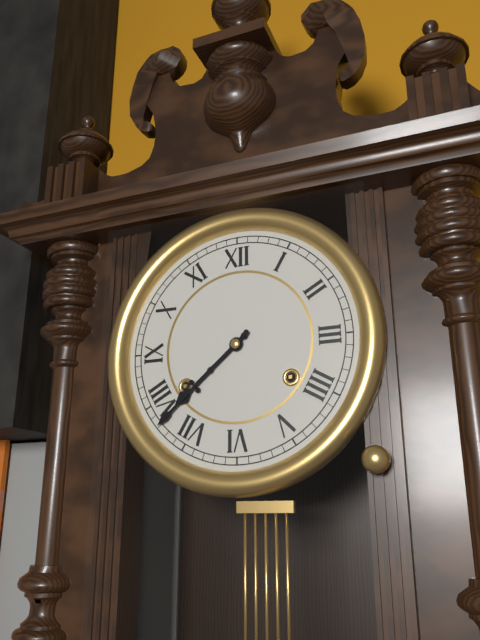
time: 7:38
